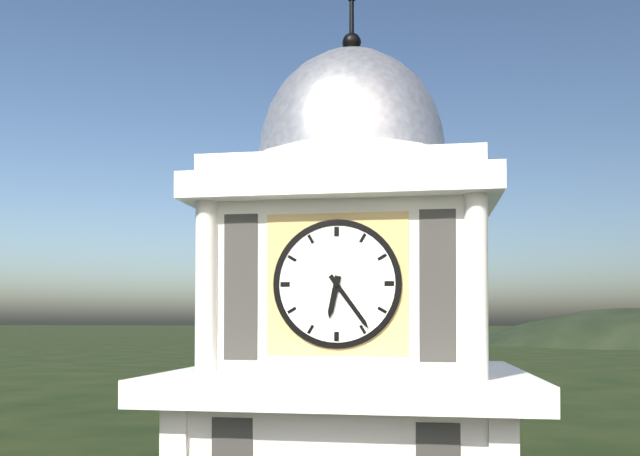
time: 6:24
